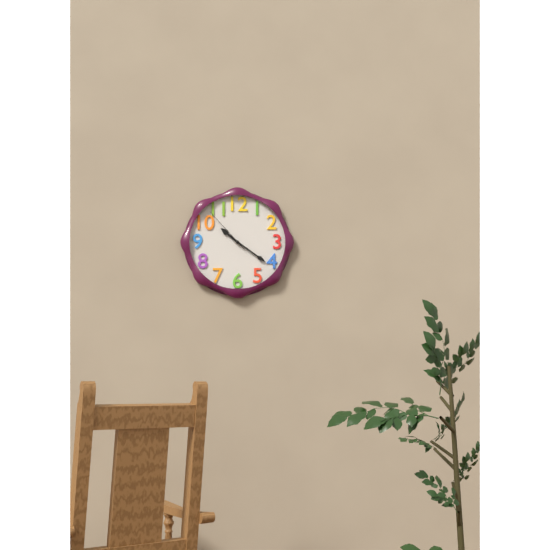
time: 10:21:53
